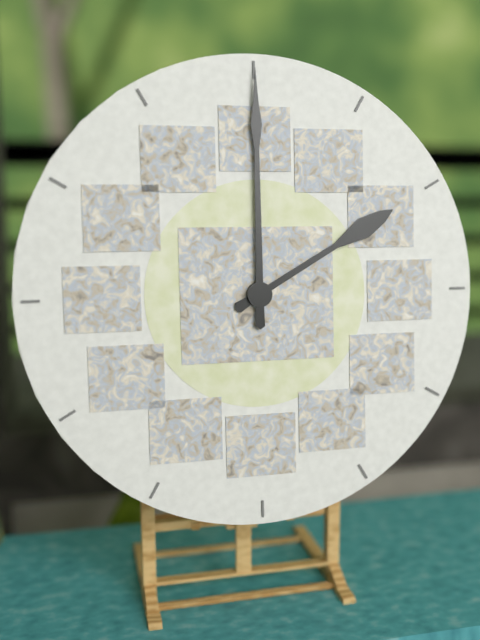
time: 2:00
